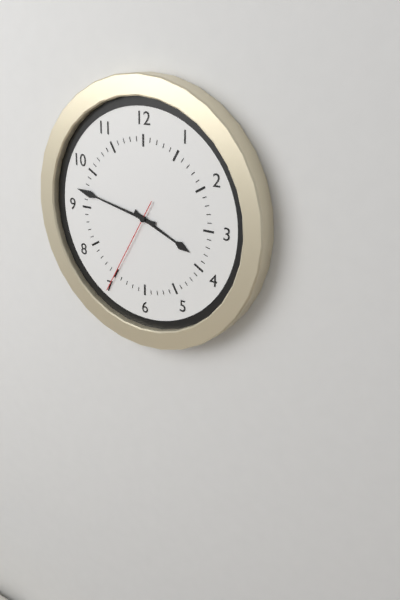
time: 3:47:35
